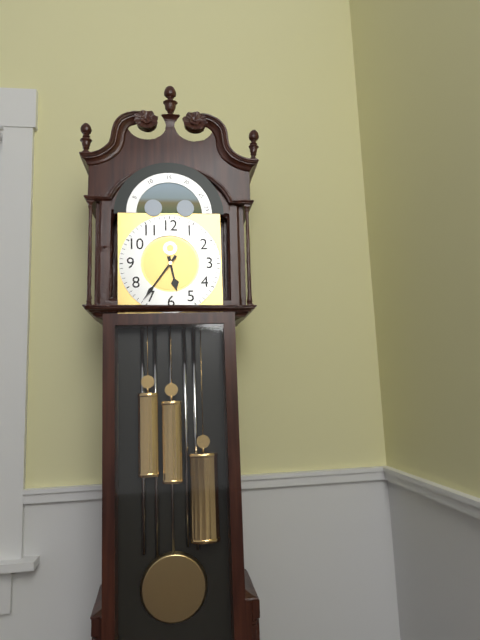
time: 5:36
